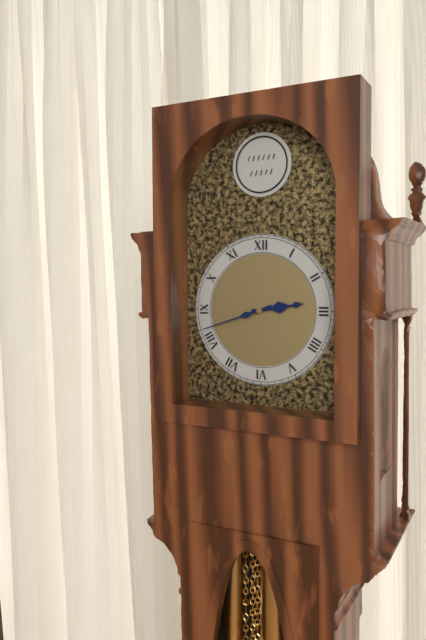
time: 2:42
